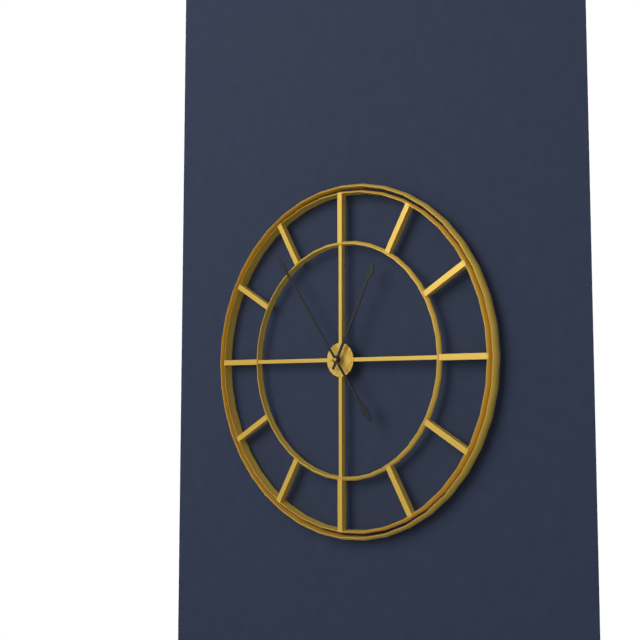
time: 12:54
